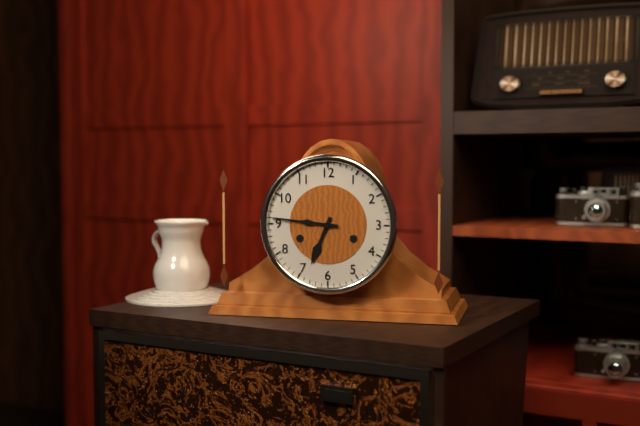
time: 6:46
